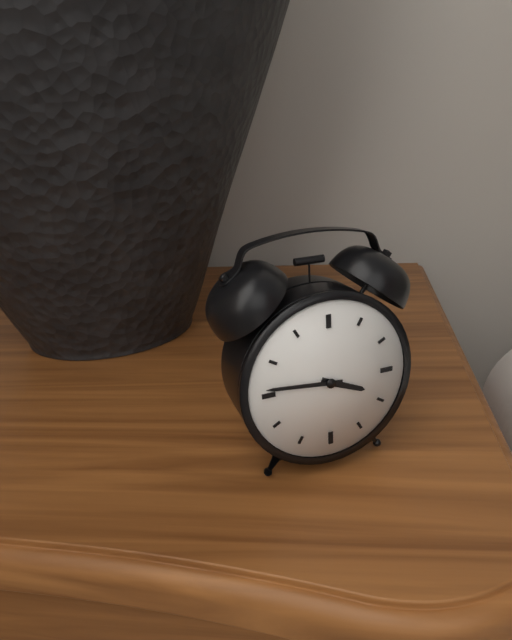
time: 3:46
